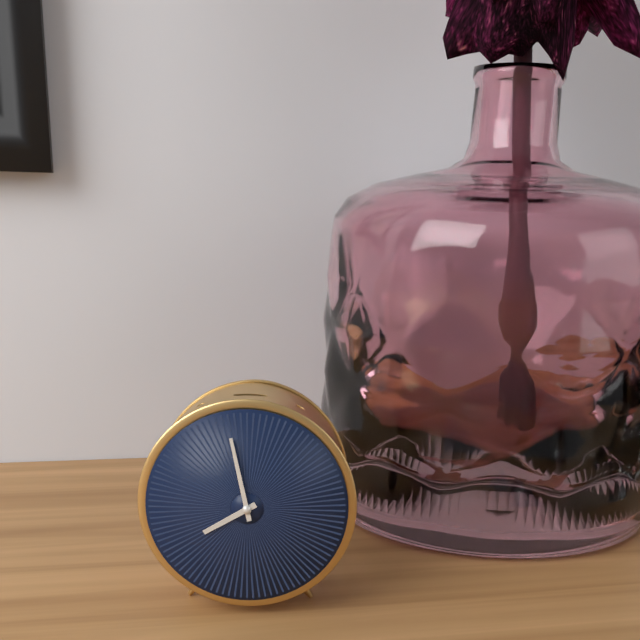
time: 7:58
